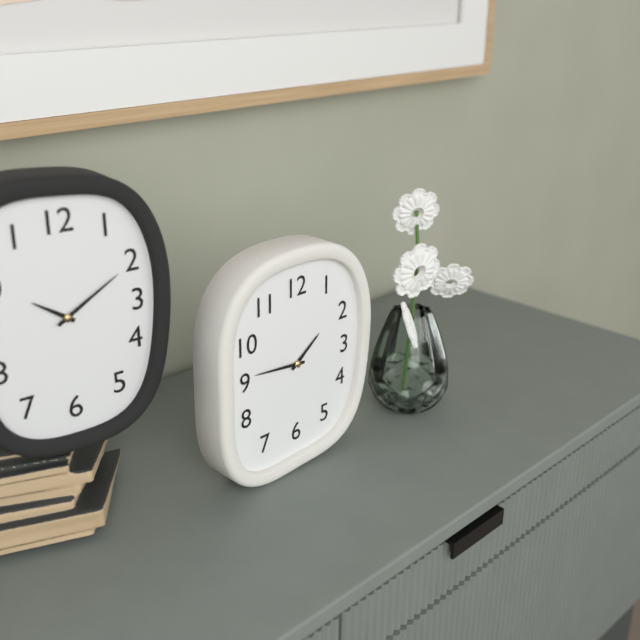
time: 1:46
